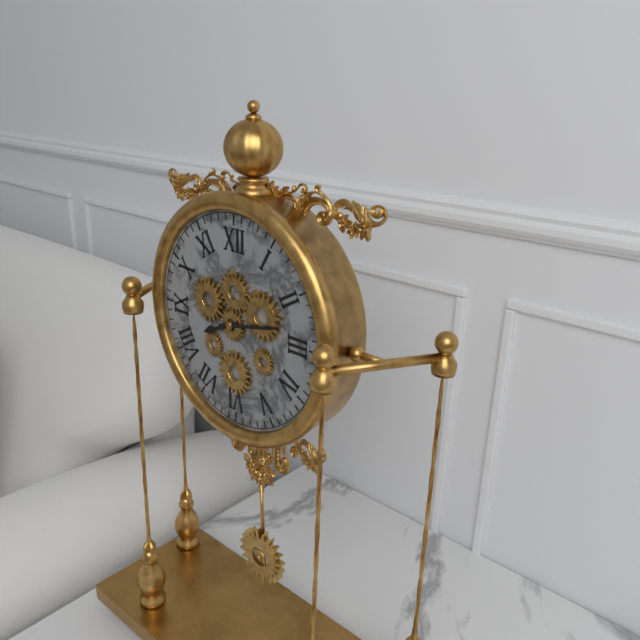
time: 8:13
